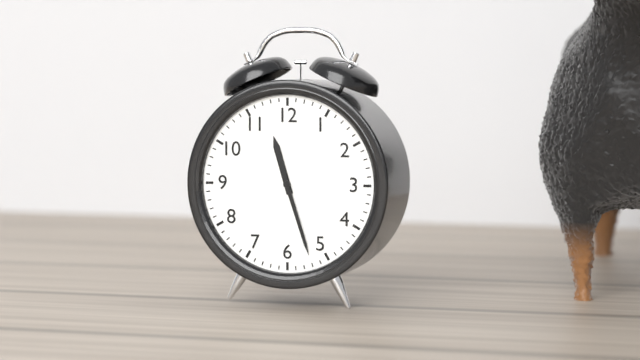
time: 11:27
